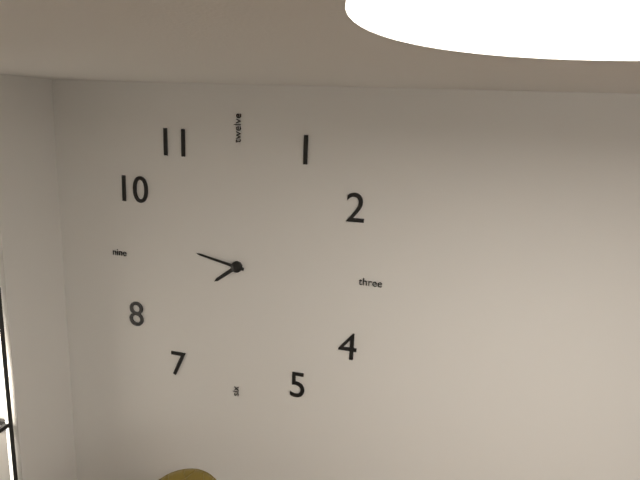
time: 7:47
